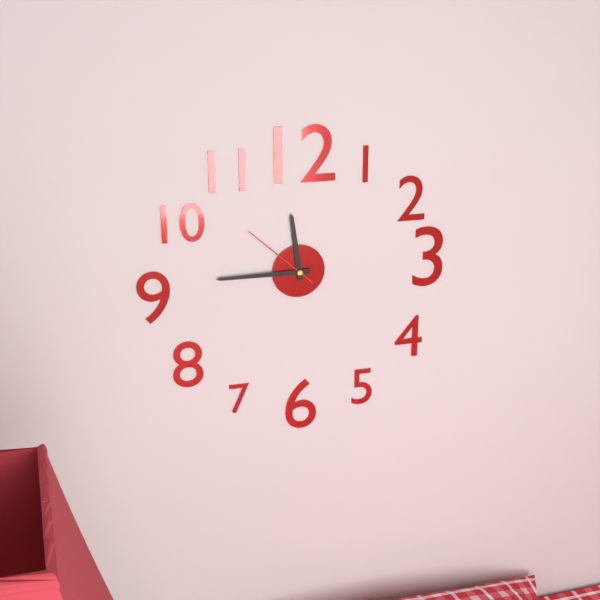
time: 11:45:52
